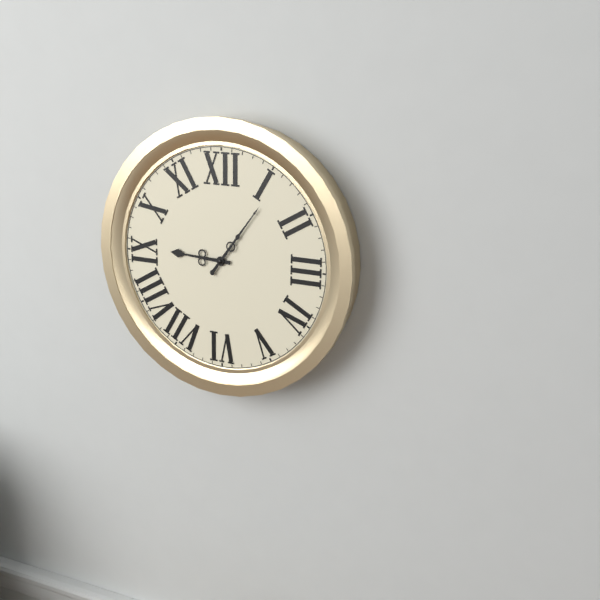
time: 9:06
